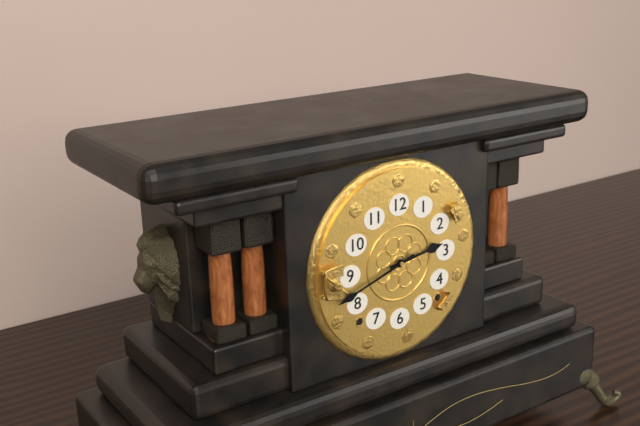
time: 2:42
